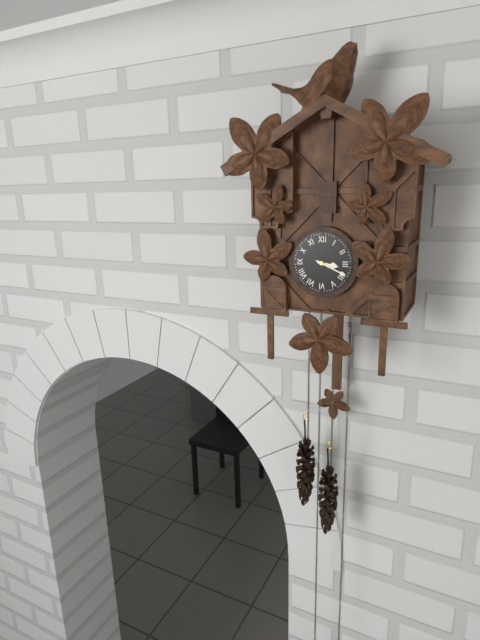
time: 3:19
